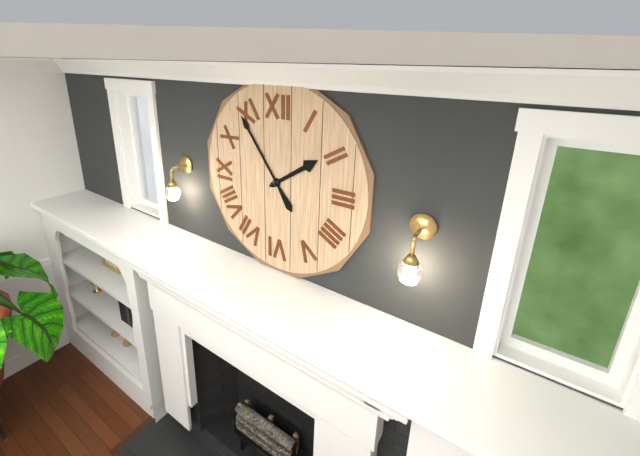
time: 1:54
